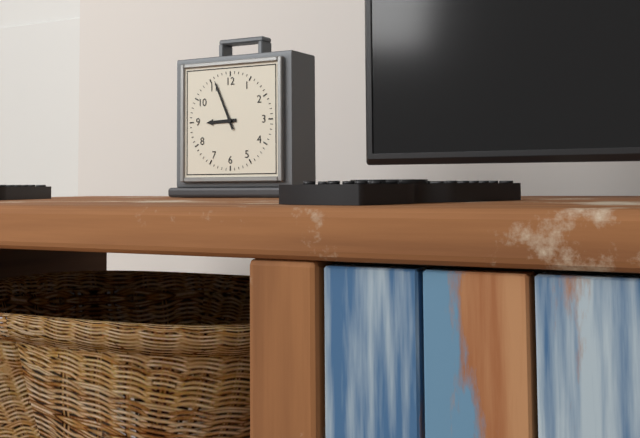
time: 8:56
